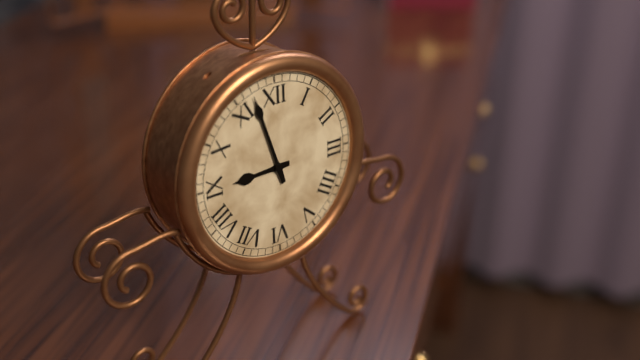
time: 8:57
